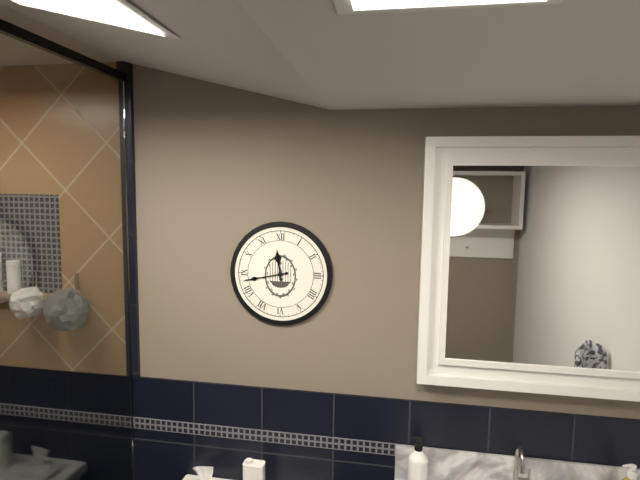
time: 11:43
